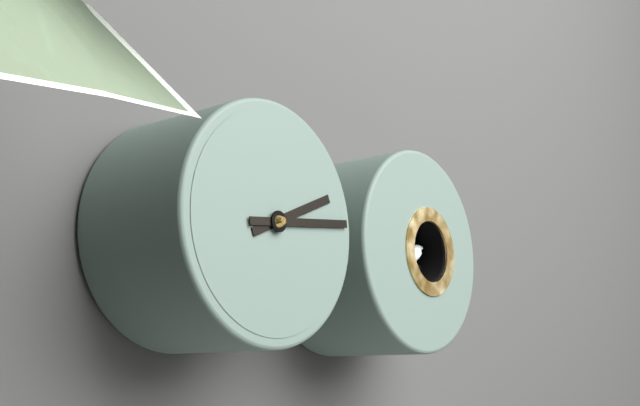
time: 2:14
